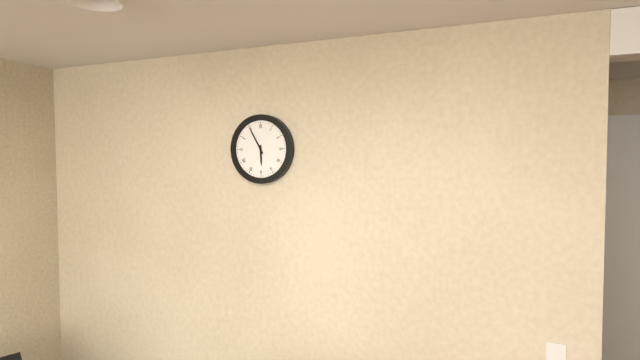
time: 5:55
